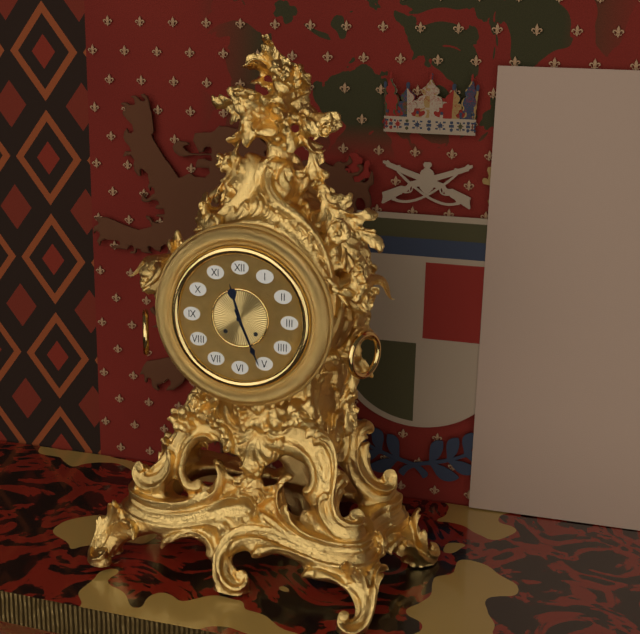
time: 11:26
